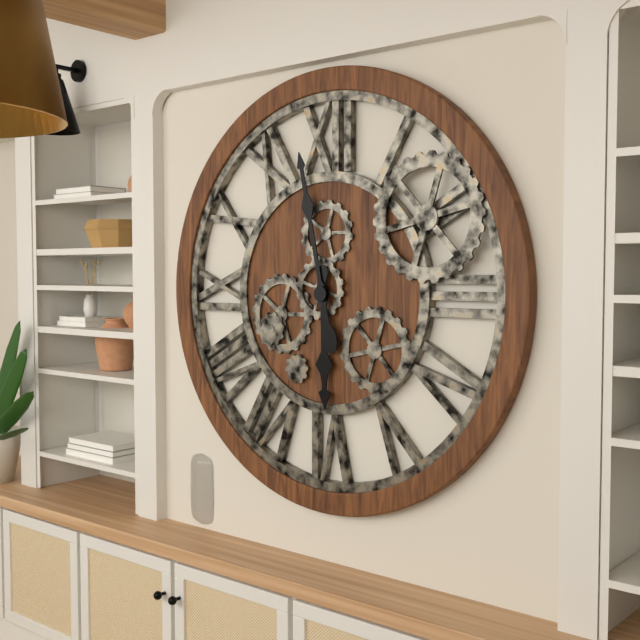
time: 5:58
